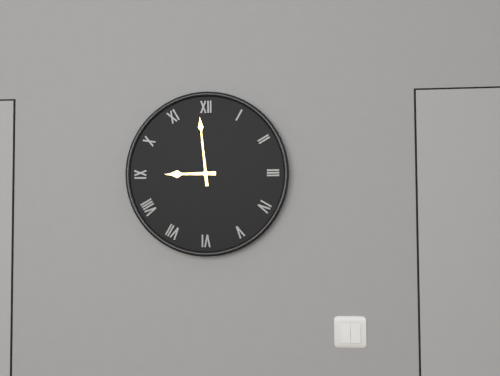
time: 8:59
